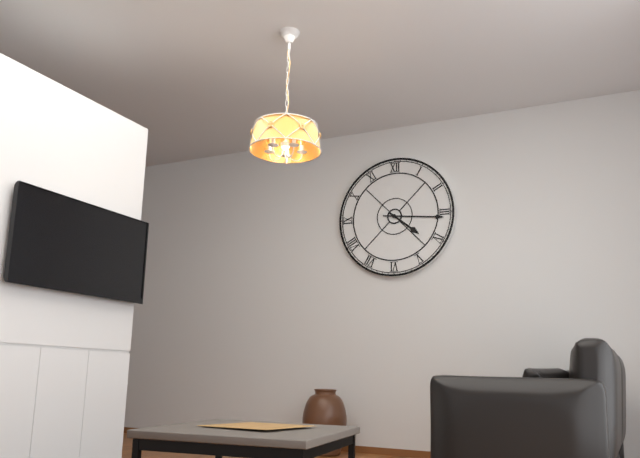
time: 4:16
